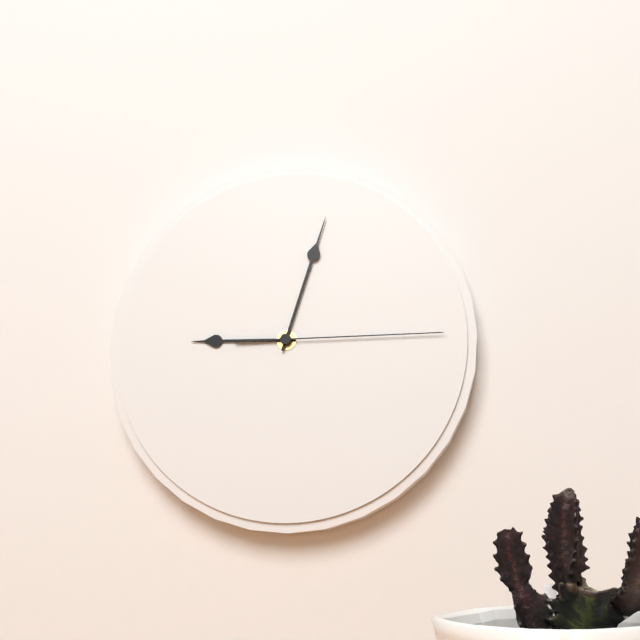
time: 9:03:15
